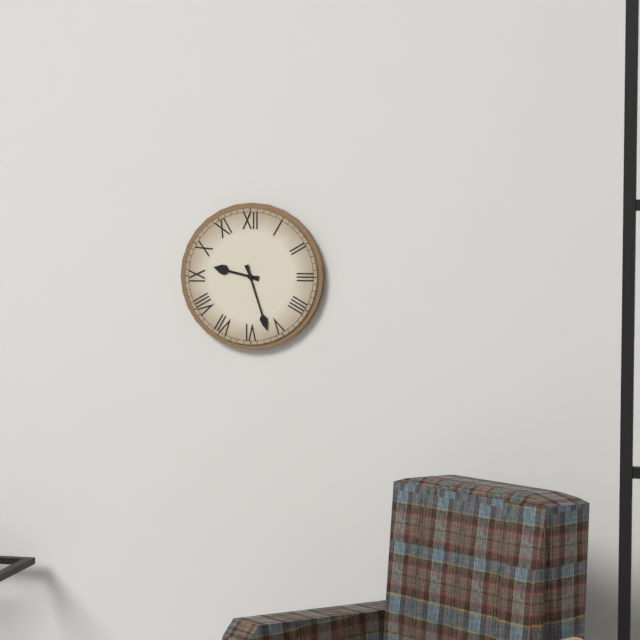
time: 9:27
